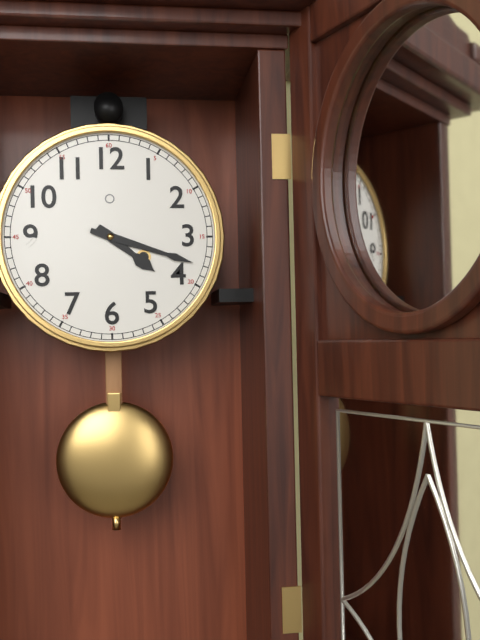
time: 4:18
